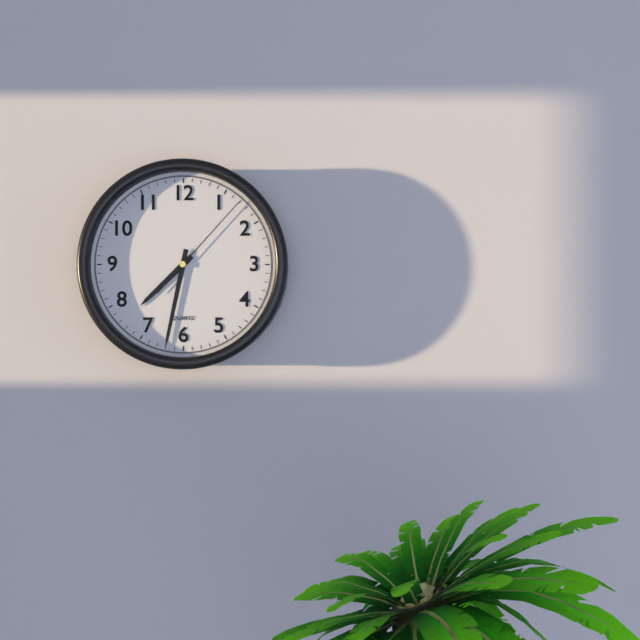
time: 7:32:07
